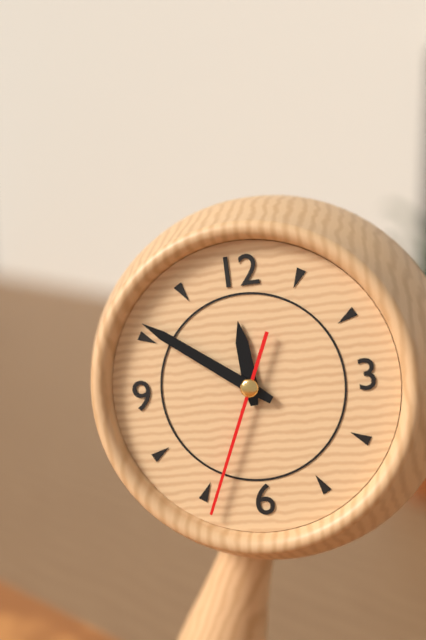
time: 11:51:34
